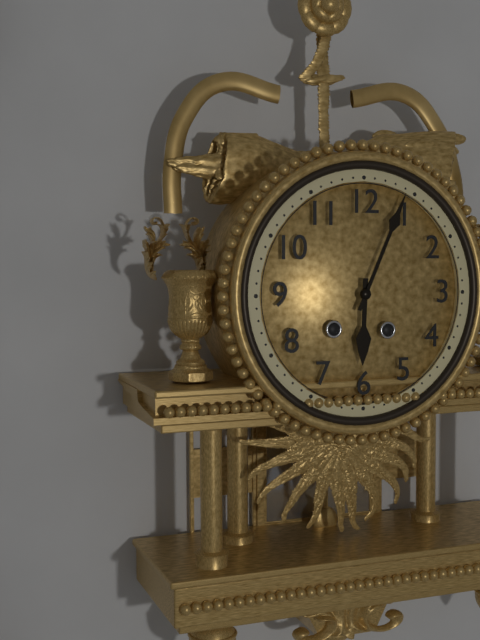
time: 6:04
